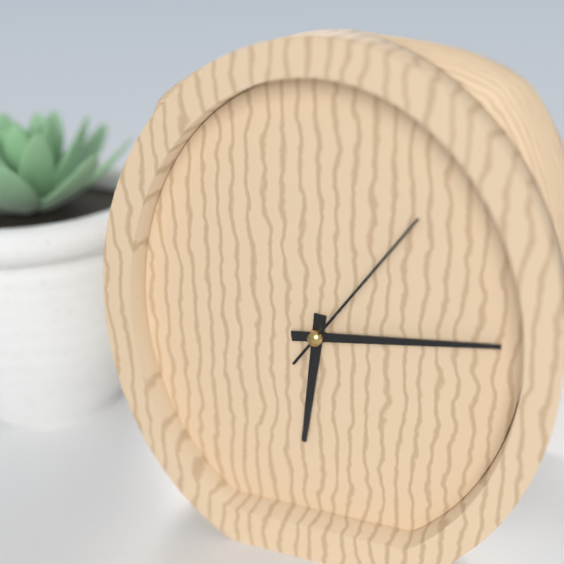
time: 6:14:06
